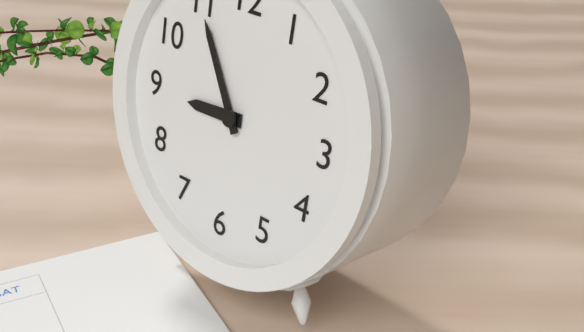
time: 8:55
